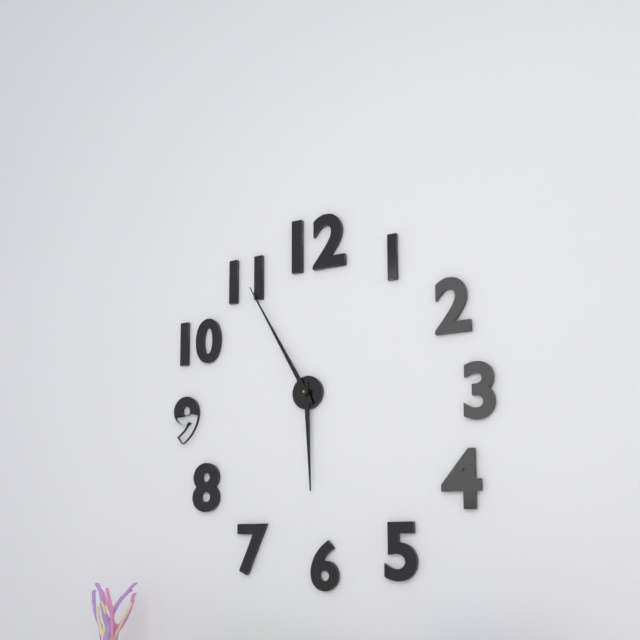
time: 5:55
